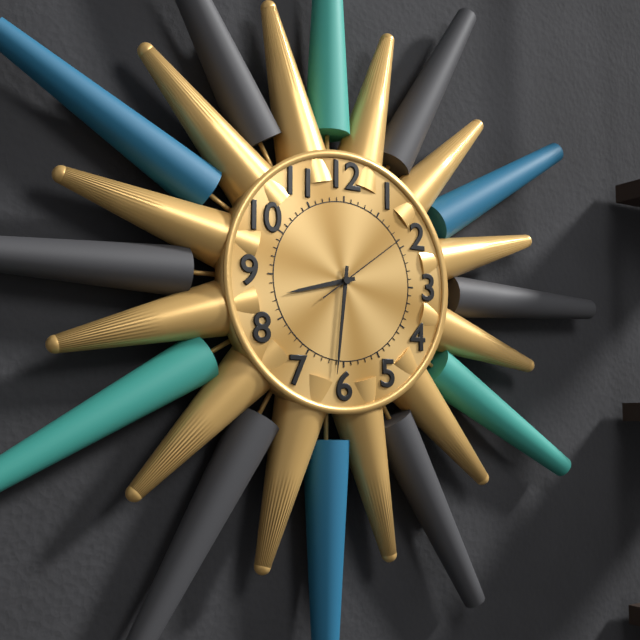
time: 8:31:09
